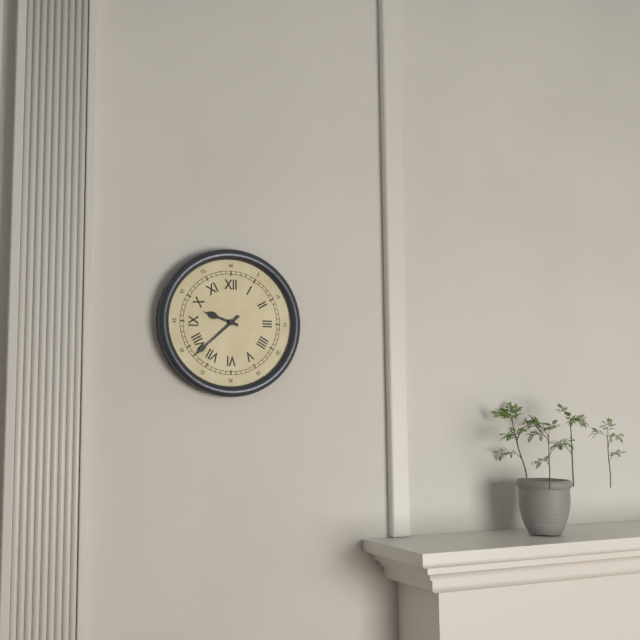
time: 9:38
